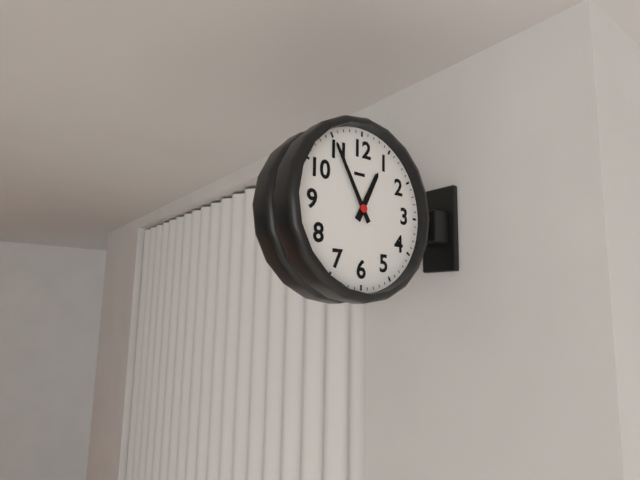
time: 12:55
